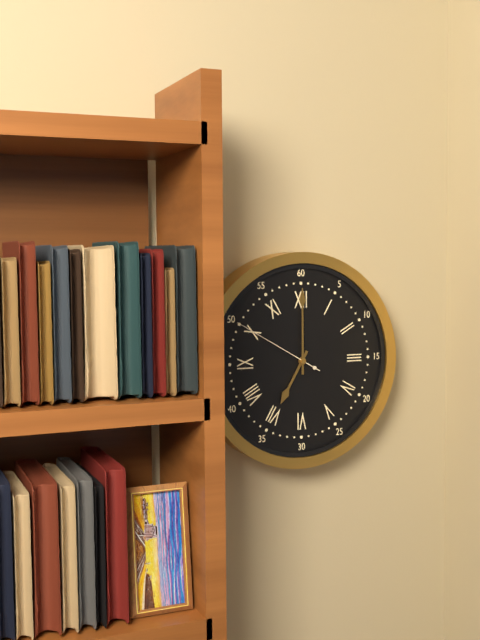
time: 7:00:50
